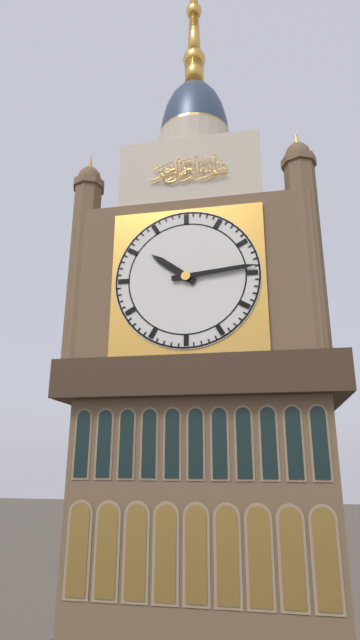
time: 10:14
